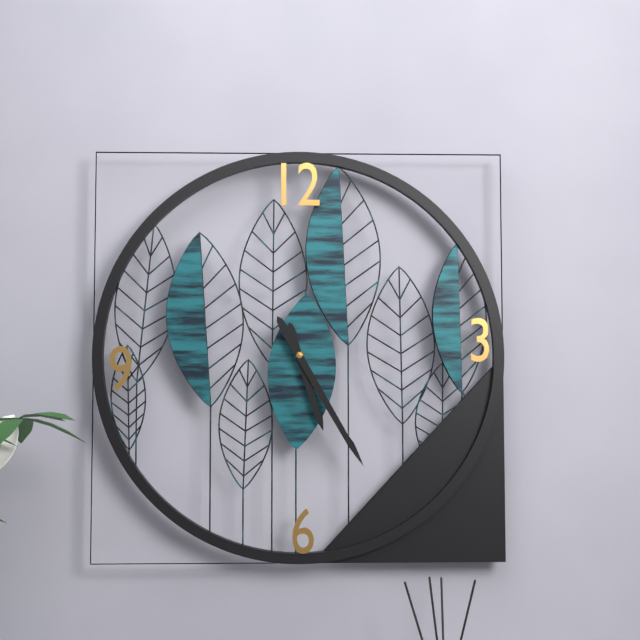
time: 5:25
